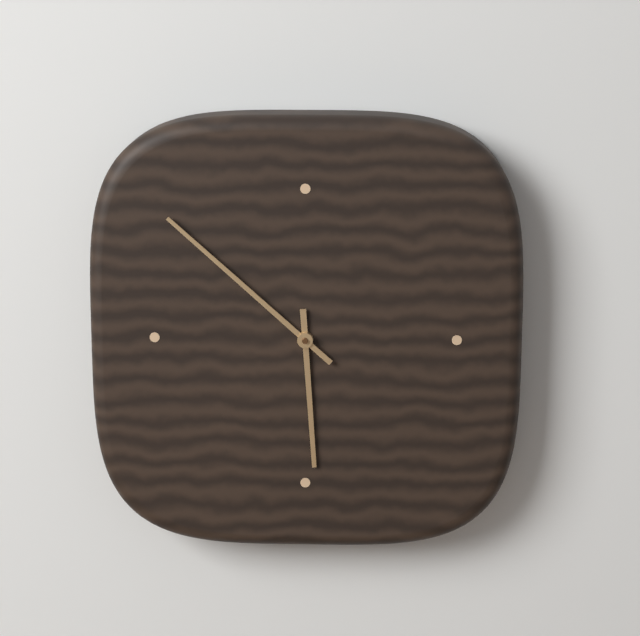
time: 5:52
